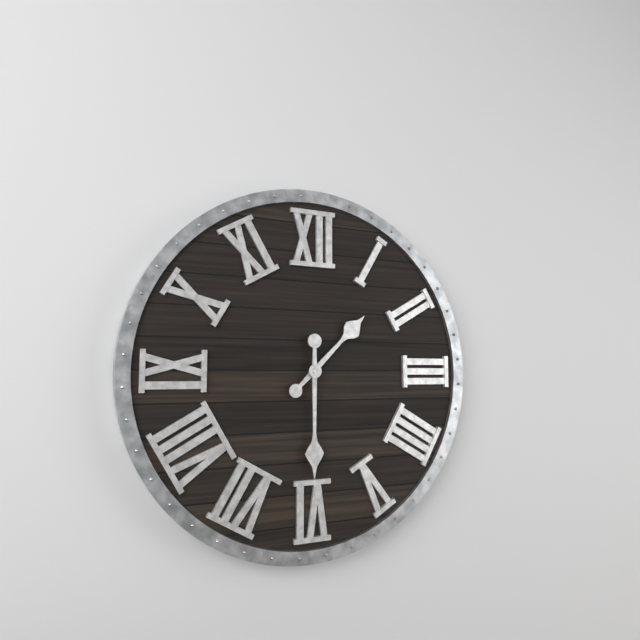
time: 1:30
